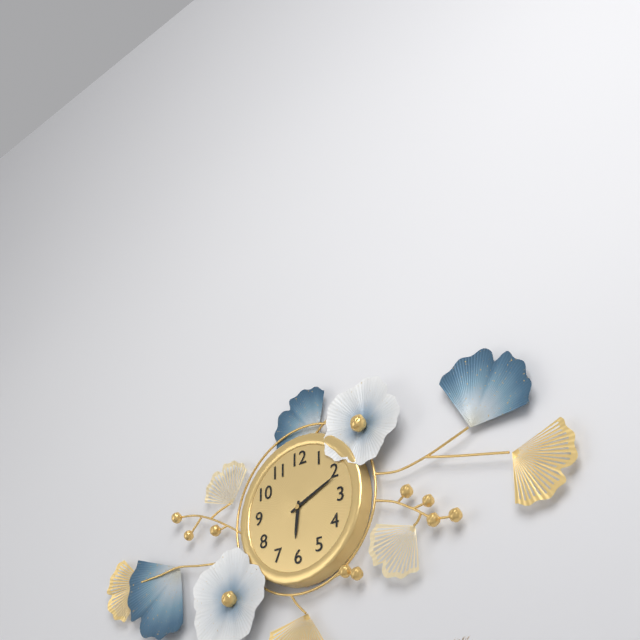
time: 6:11
